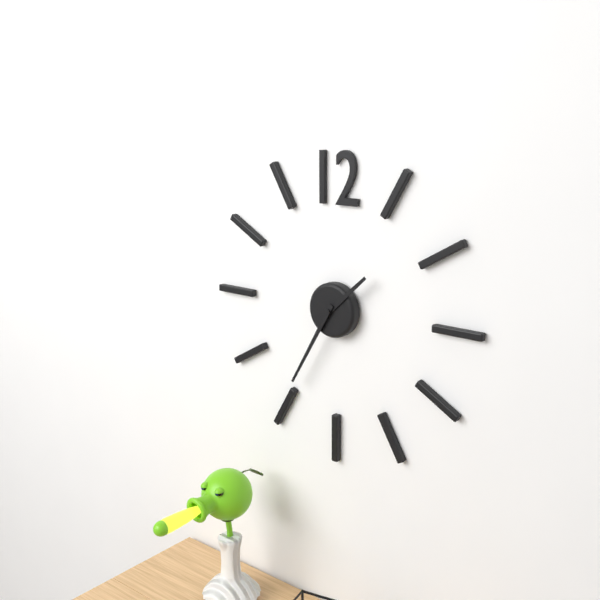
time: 1:35
